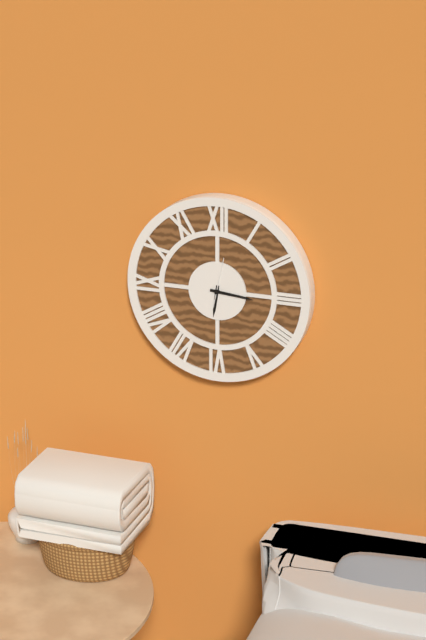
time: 6:16
